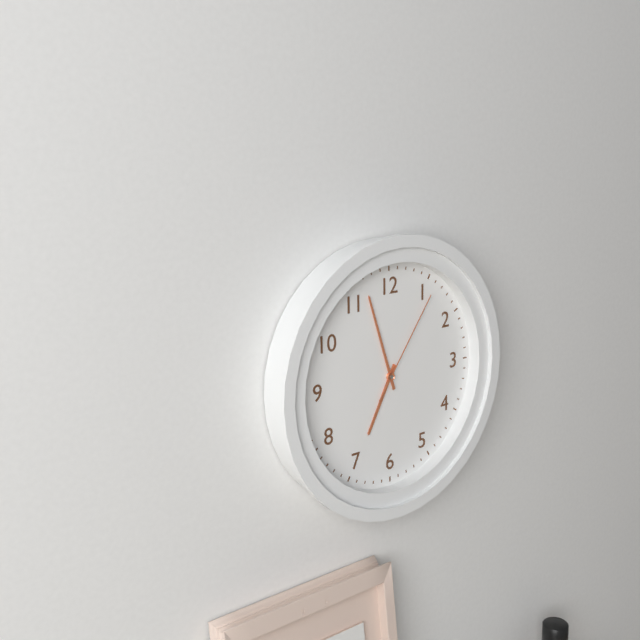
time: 6:57:06
